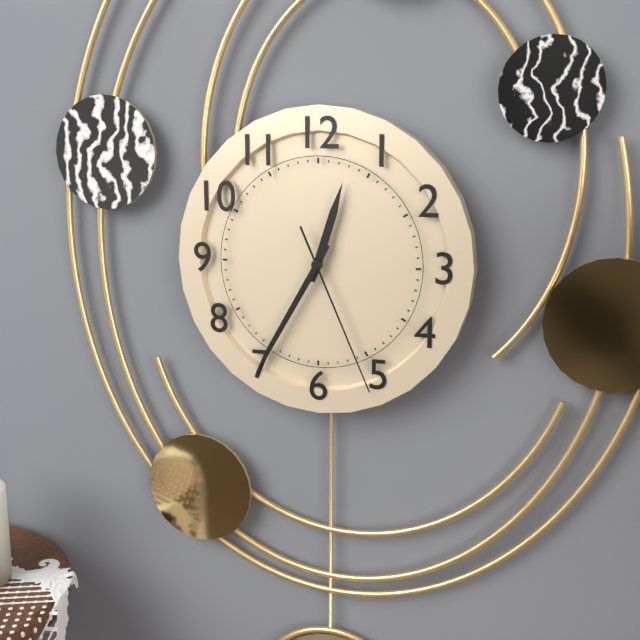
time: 12:35:26
